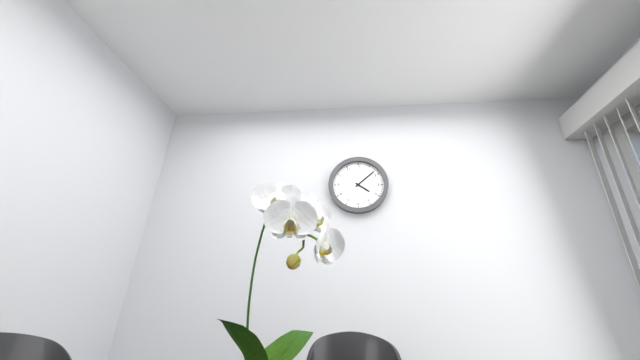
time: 4:08
